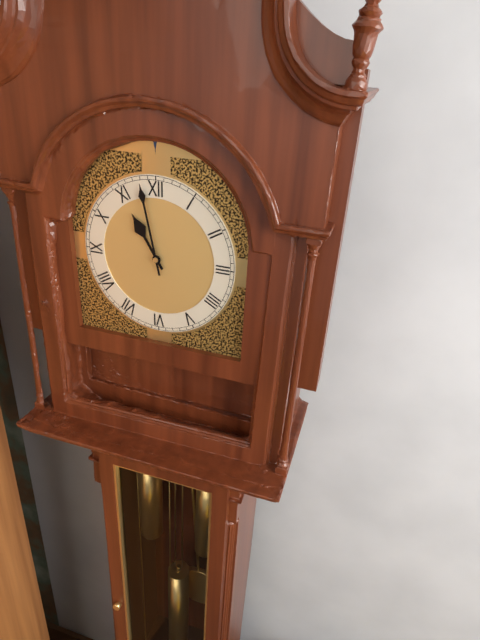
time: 10:58
